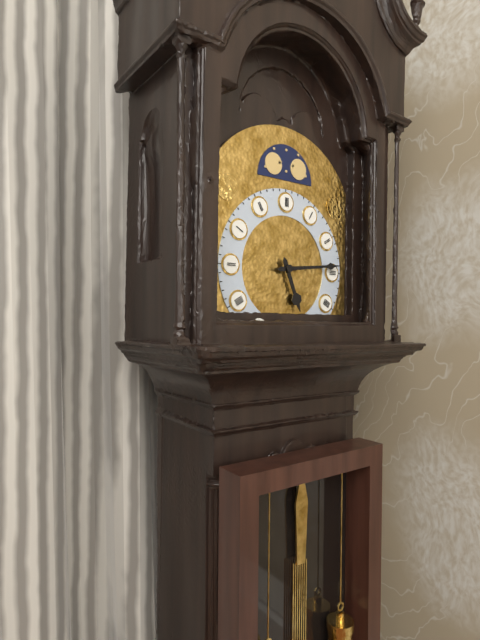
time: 5:14
